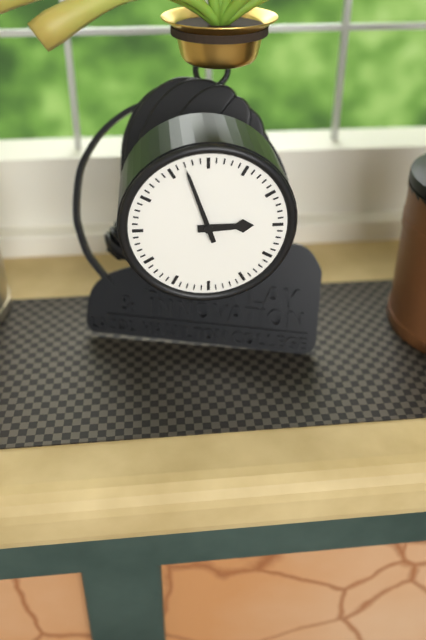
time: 2:57
